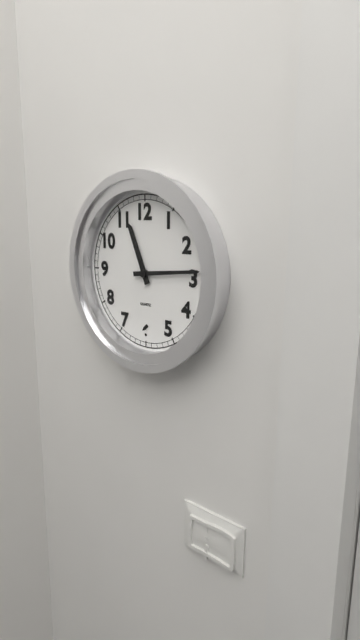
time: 11:14
